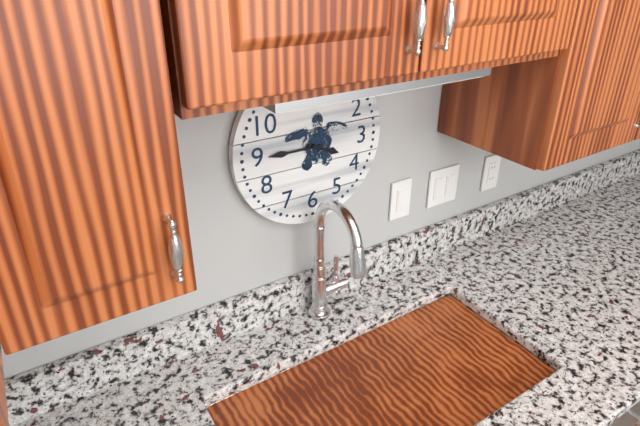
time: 3:45
